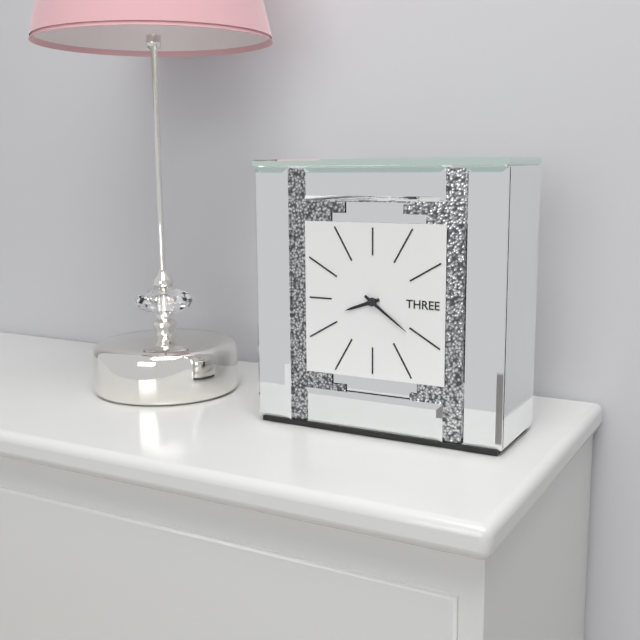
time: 8:21
